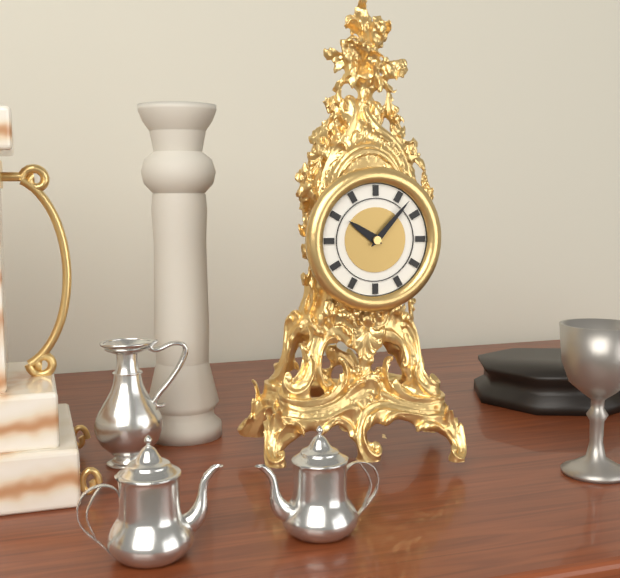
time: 10:07
